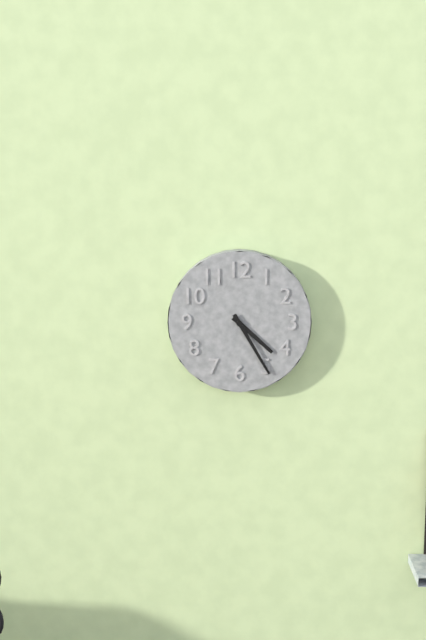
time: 4:25
